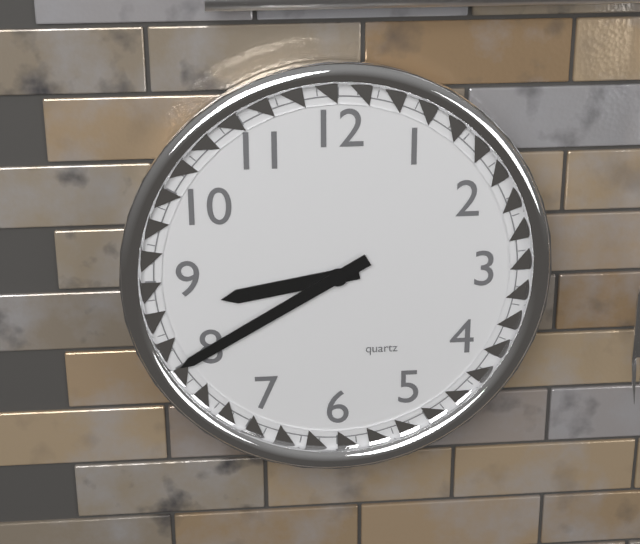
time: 8:40
